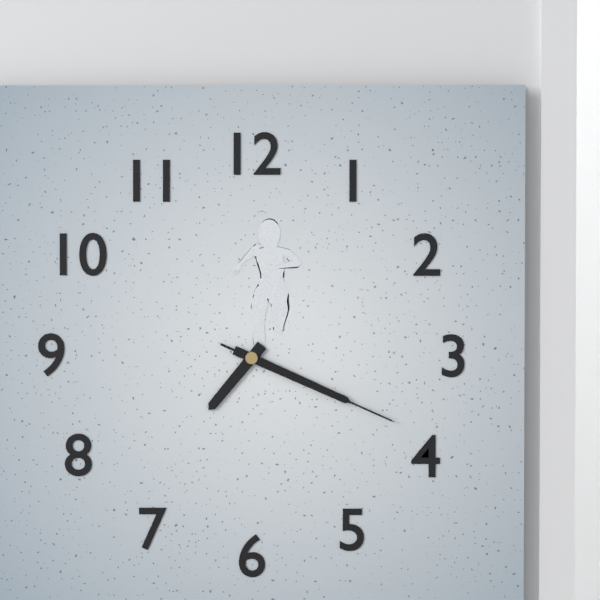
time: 7:19:19
